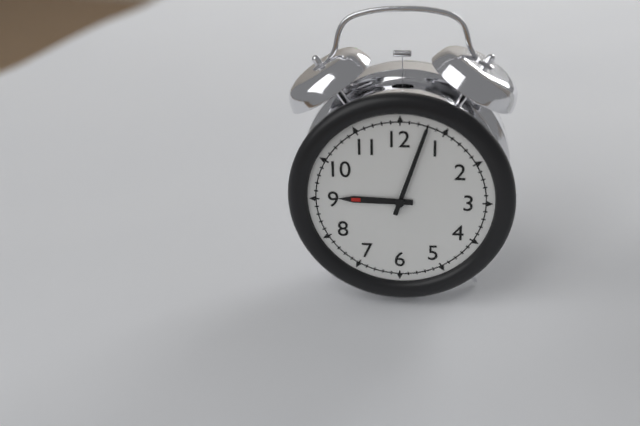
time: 9:03
